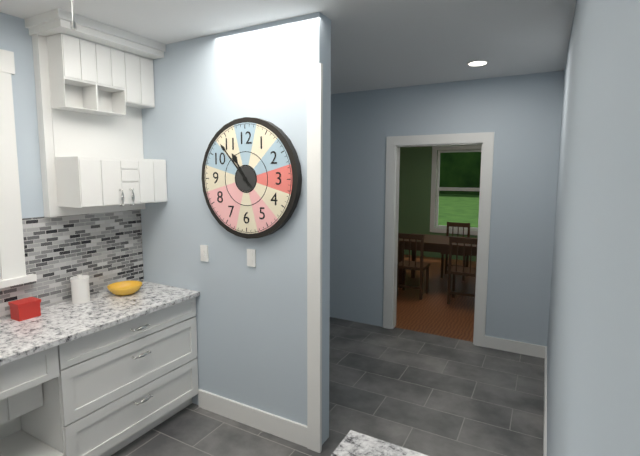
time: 10:53
